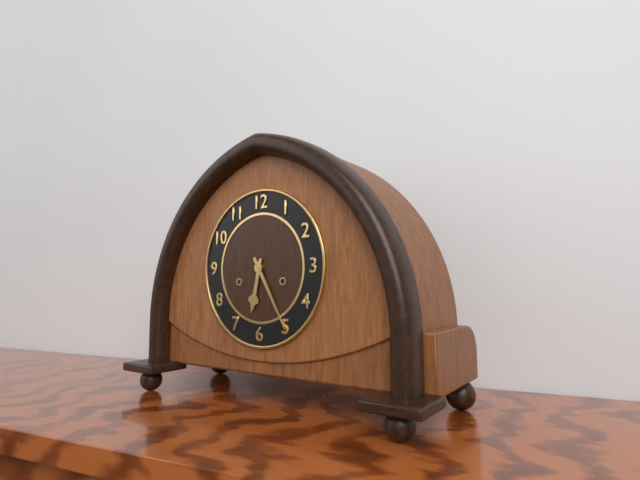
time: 6:25
